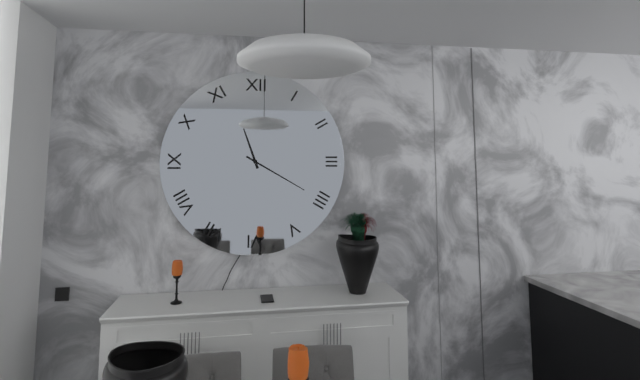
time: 11:20
